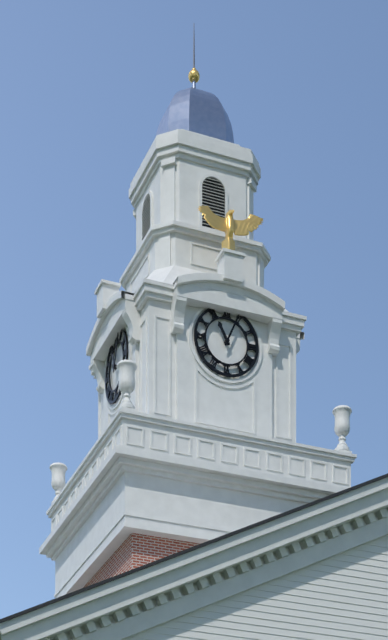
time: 11:04
